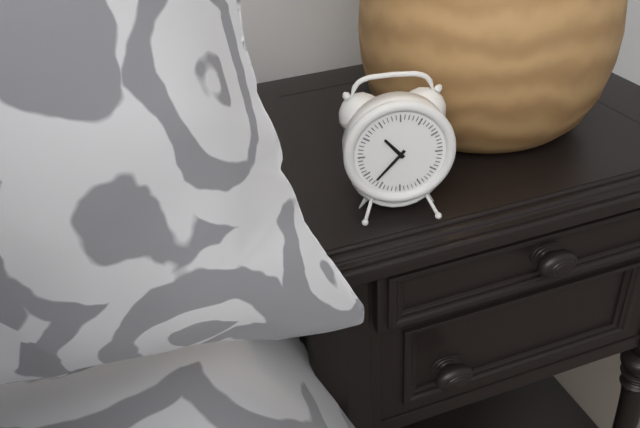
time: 10:37
